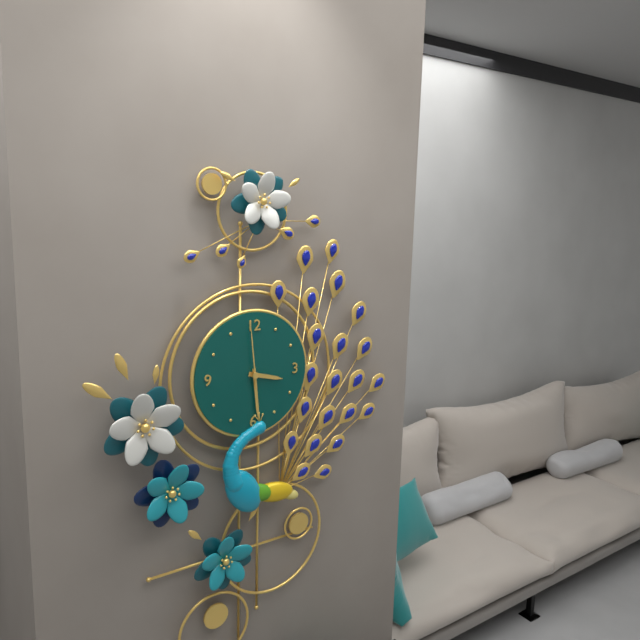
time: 3:29:59
